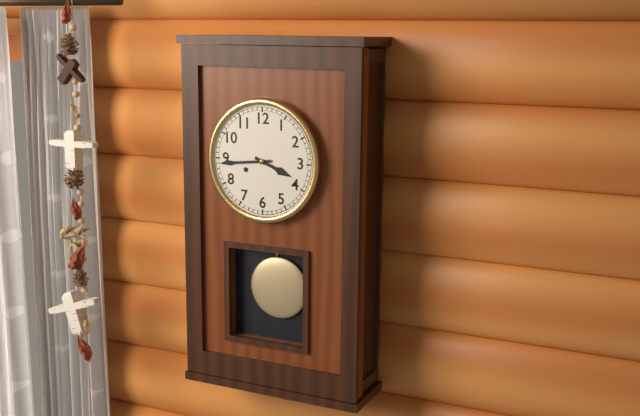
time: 3:44
